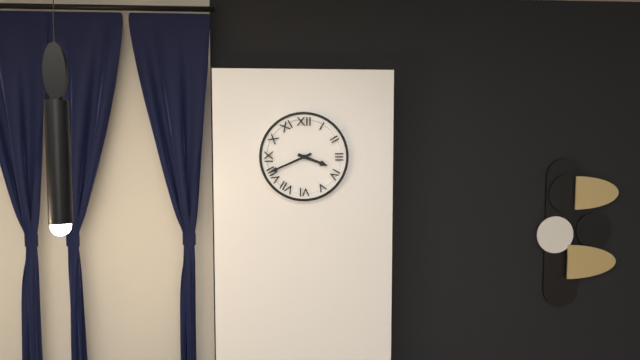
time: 3:41
